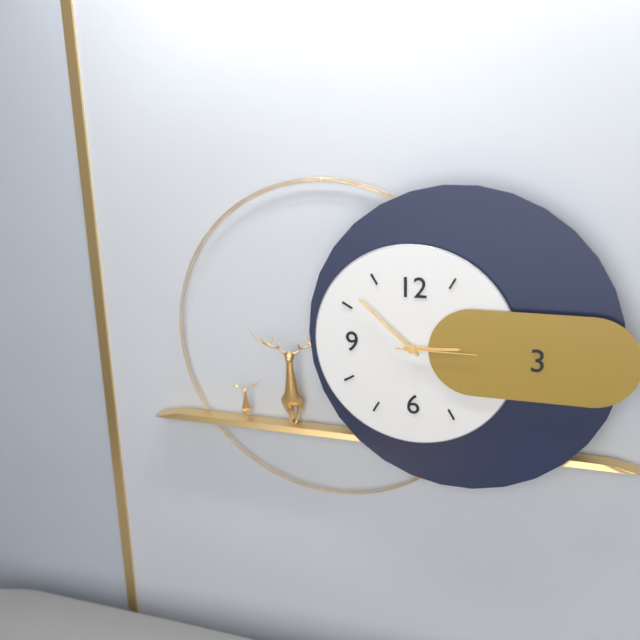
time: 2:52:15
